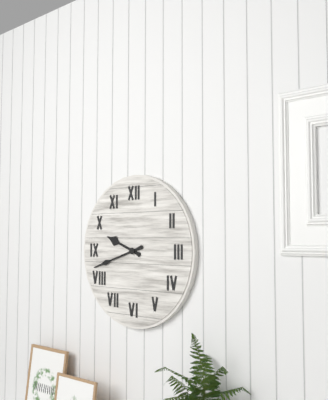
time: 9:42
